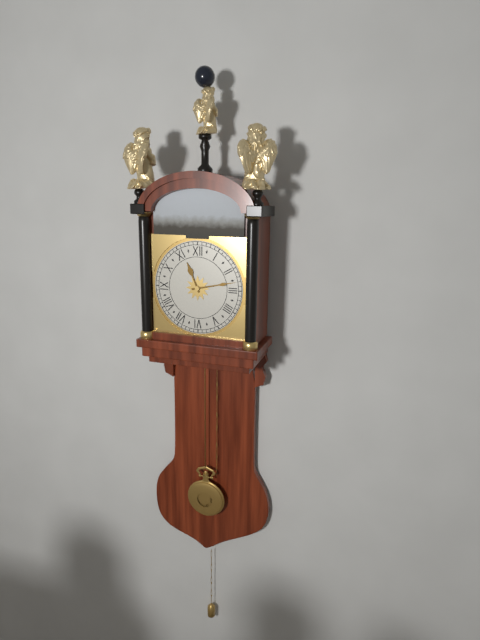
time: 11:13
